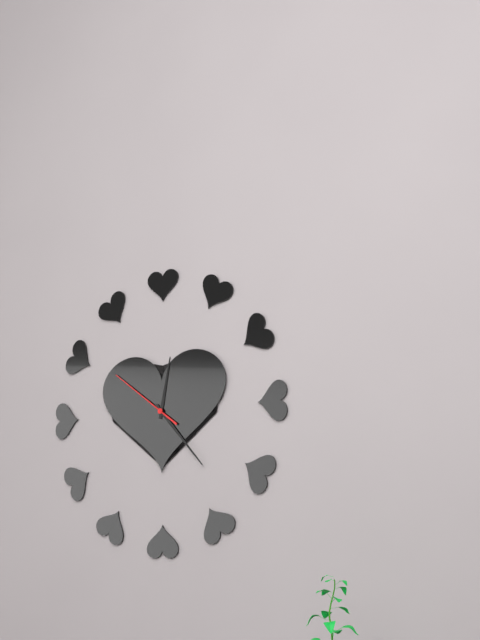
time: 12:23:51
